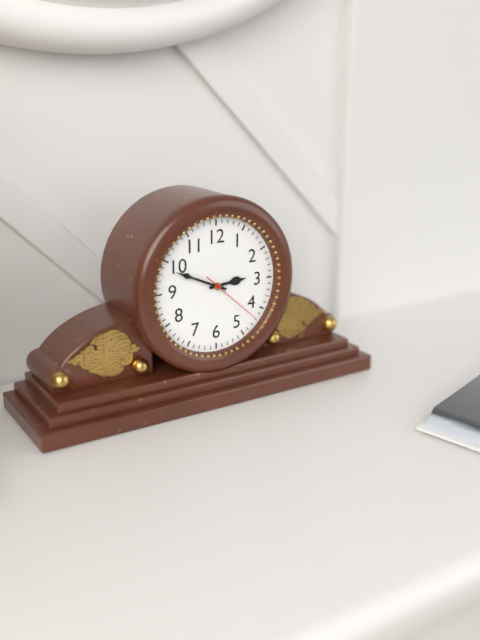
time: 2:49:22
